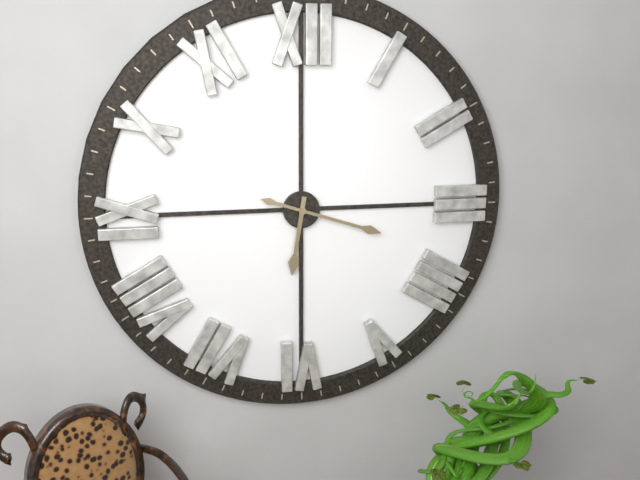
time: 6:18
